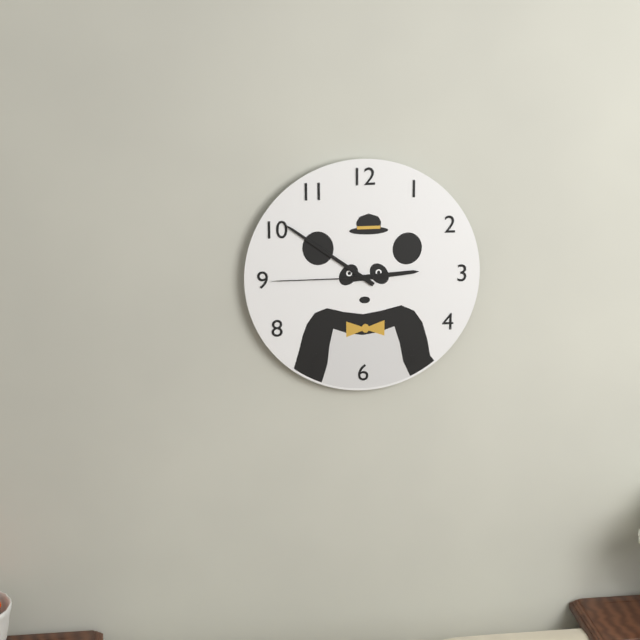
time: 2:51:45
